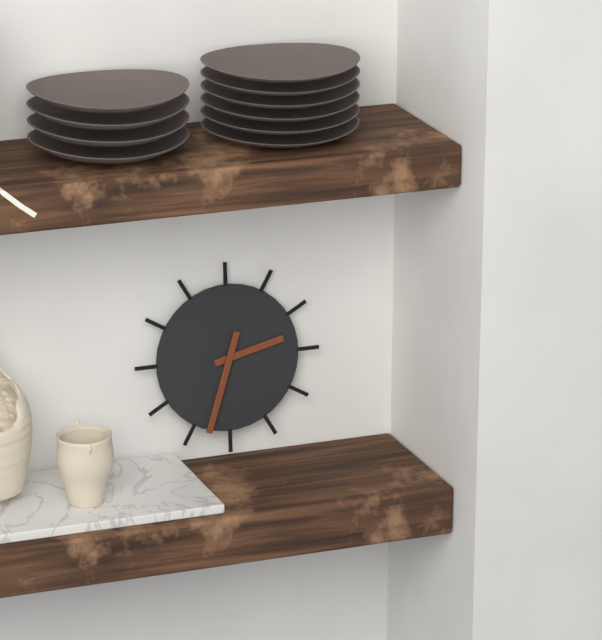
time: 2:33
